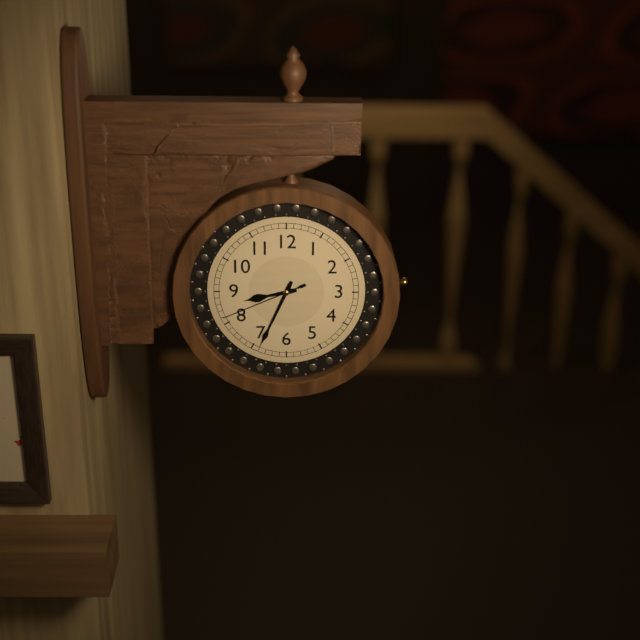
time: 8:34:41
